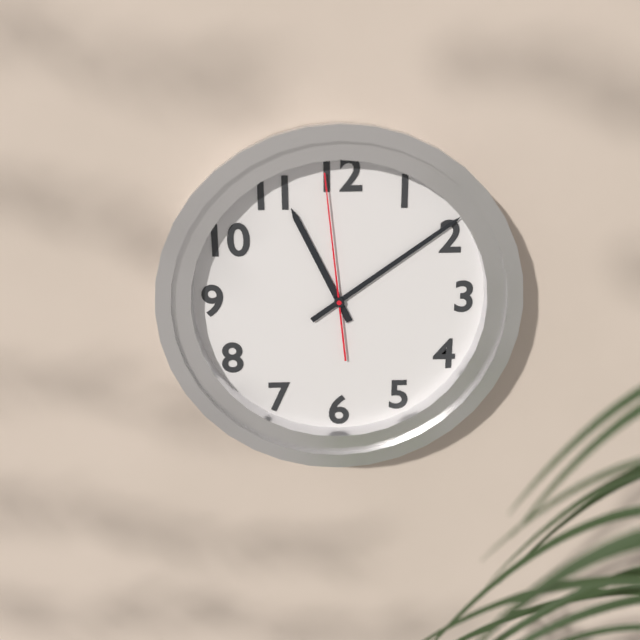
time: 11:09:59
